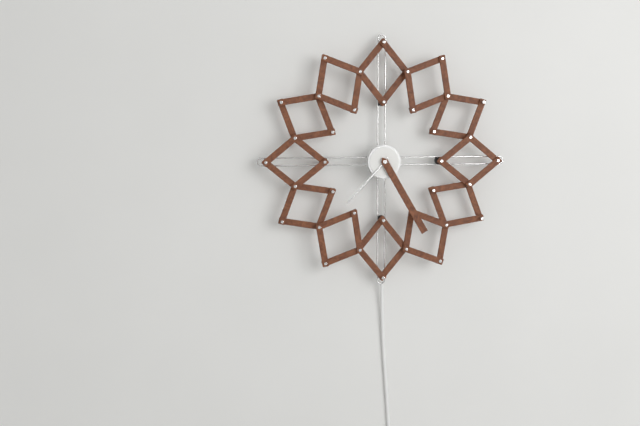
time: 7:25
